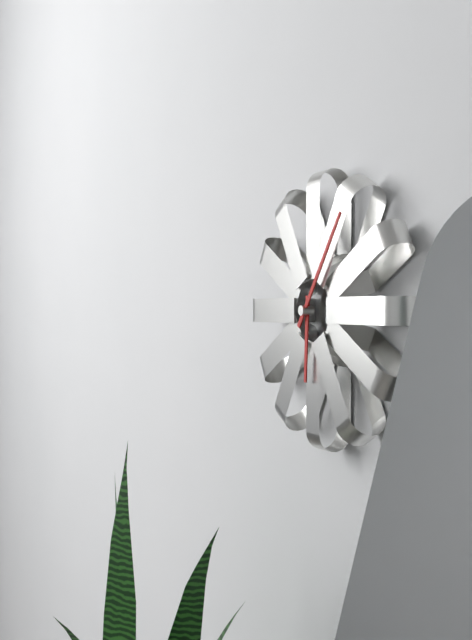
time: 6:06
